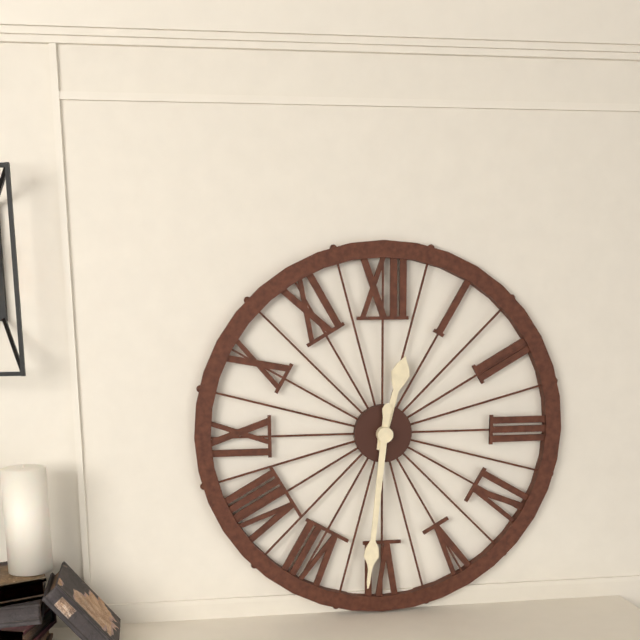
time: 12:31
